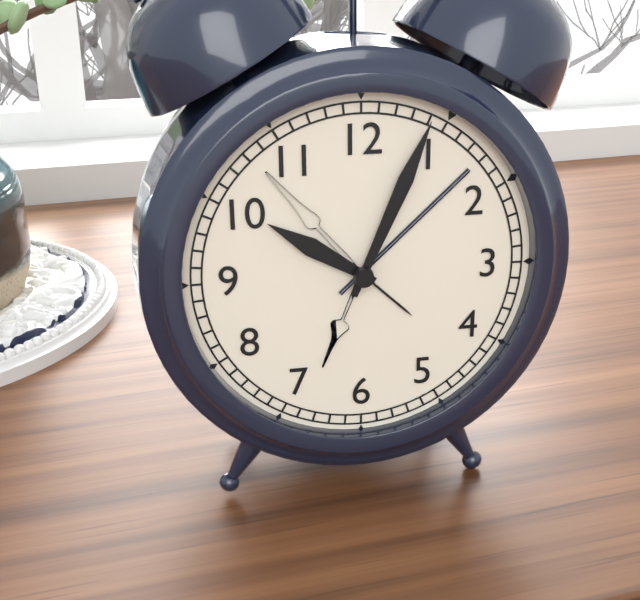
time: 10:04
